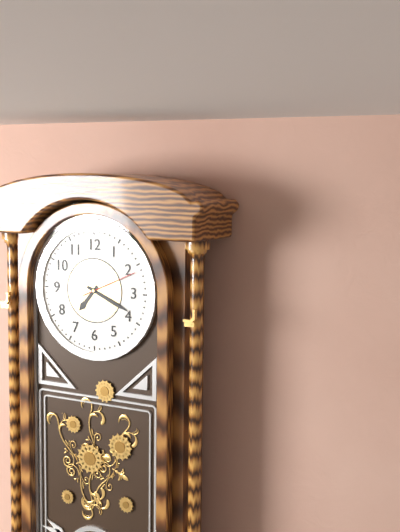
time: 7:19
